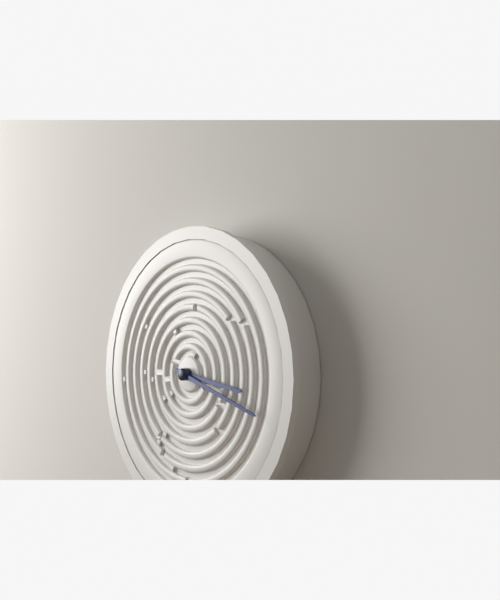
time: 3:18
